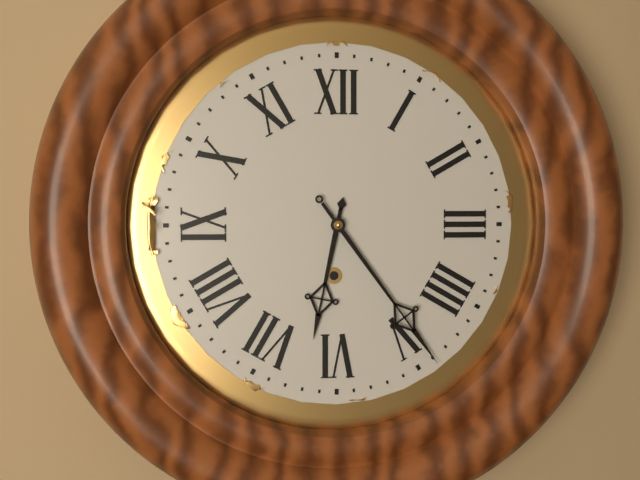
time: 6:24
